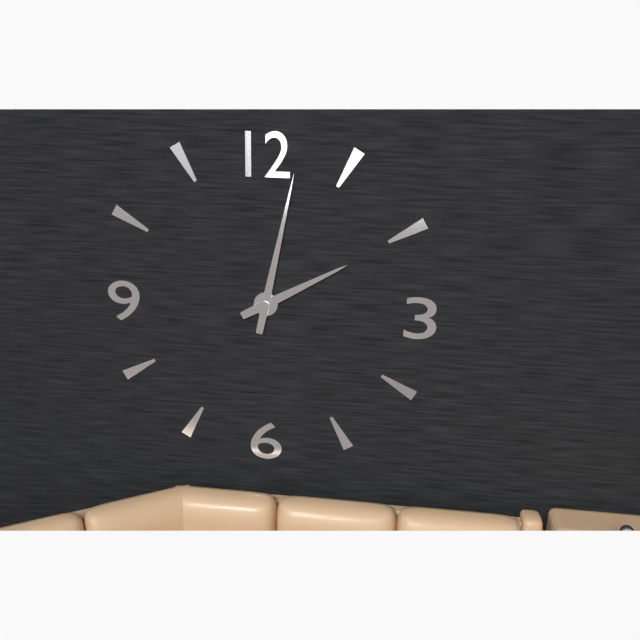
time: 2:02
